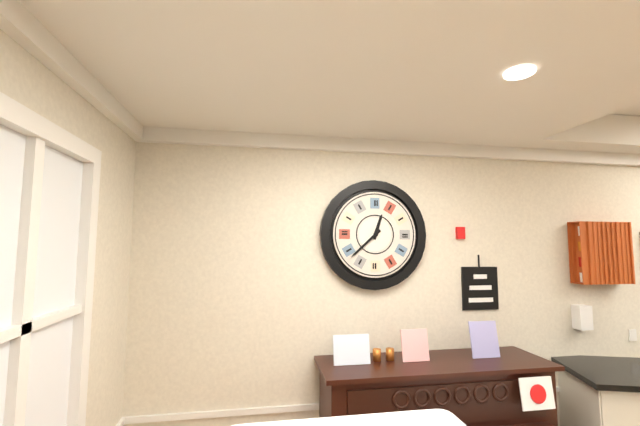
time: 12:38
